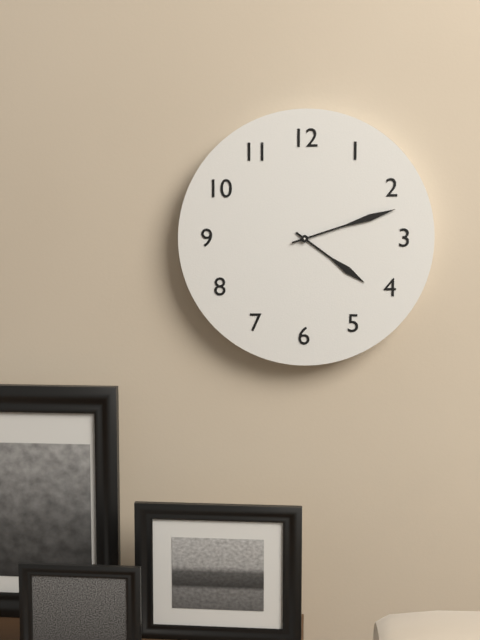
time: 4:12
